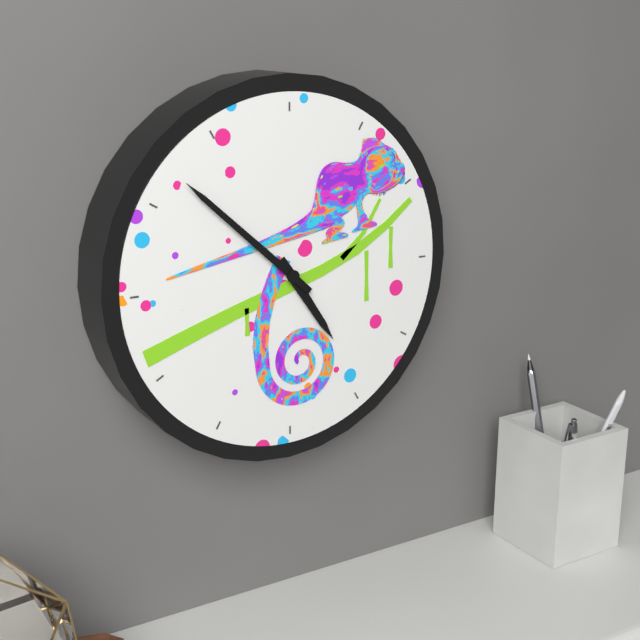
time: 4:52
